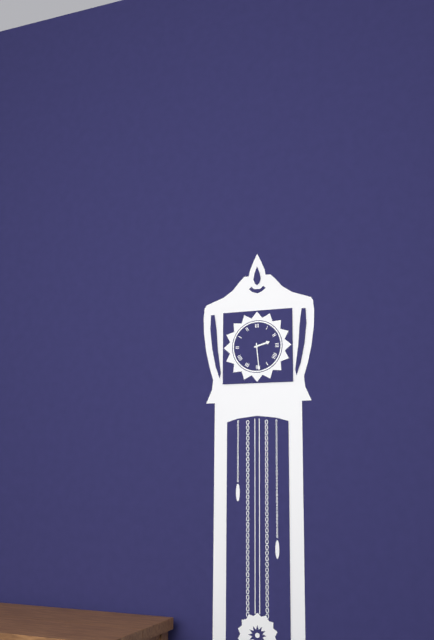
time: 2:29
